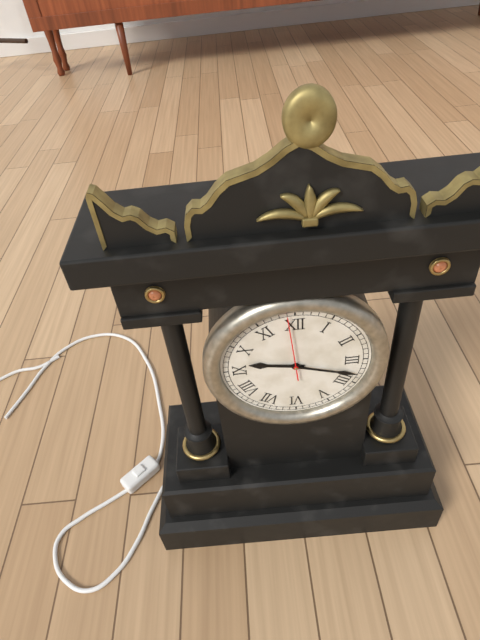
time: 9:18:59
